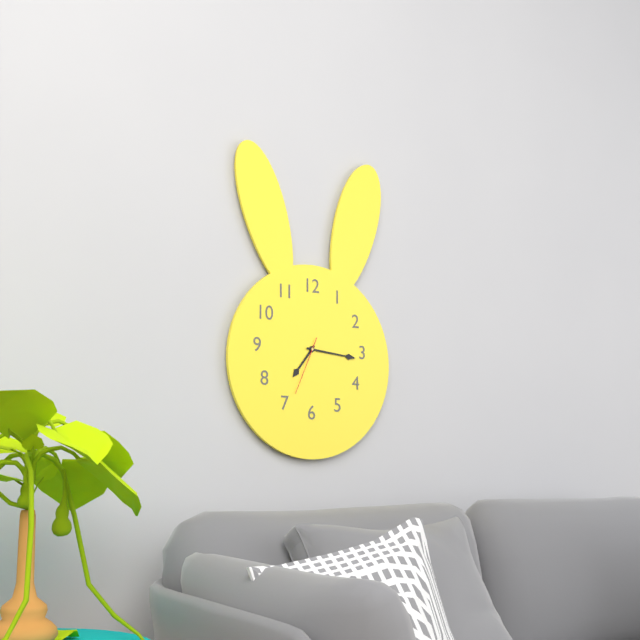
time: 7:16:34
